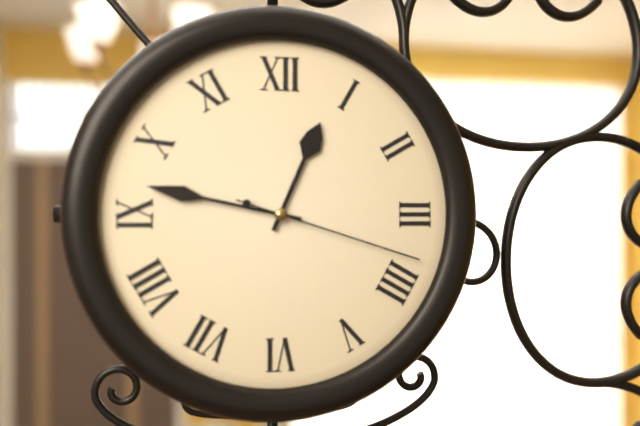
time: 12:47:18
